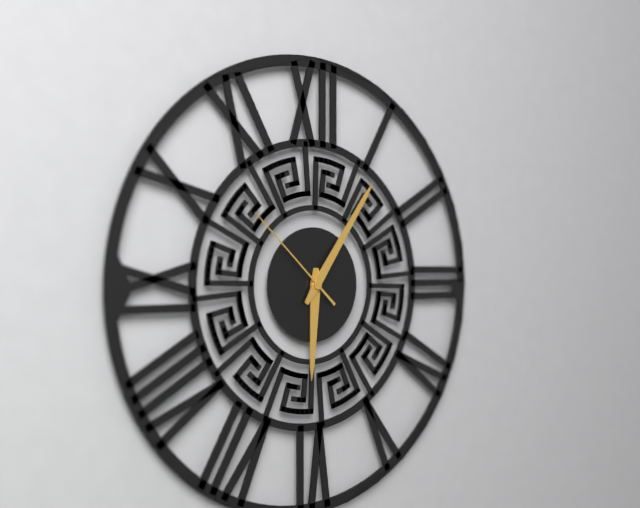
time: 6:06:52
